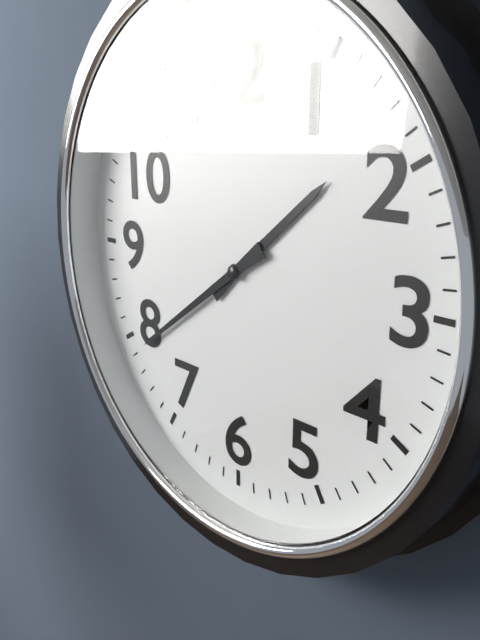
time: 1:39
